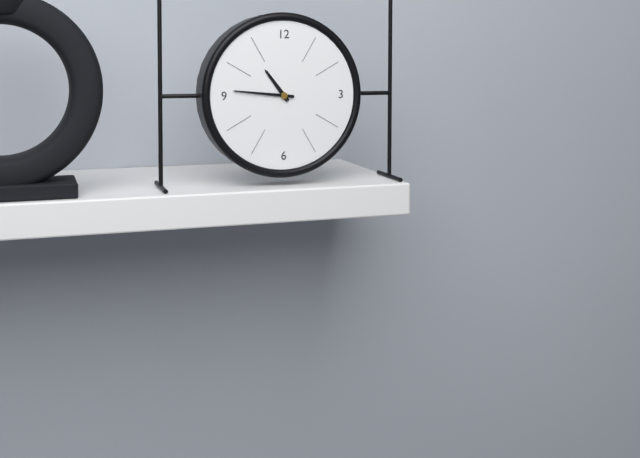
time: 10:46
